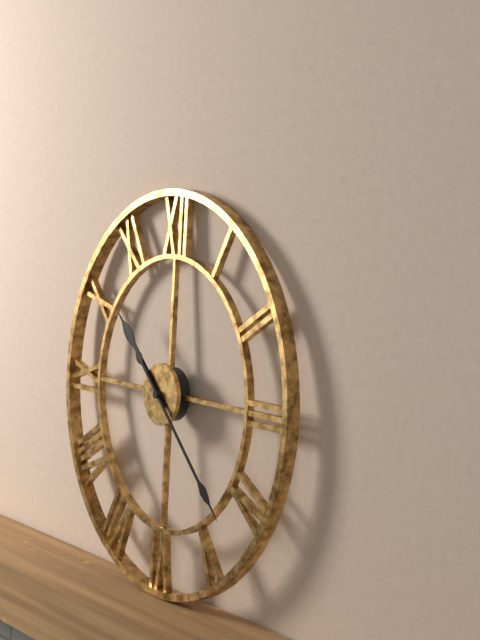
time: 10:22
